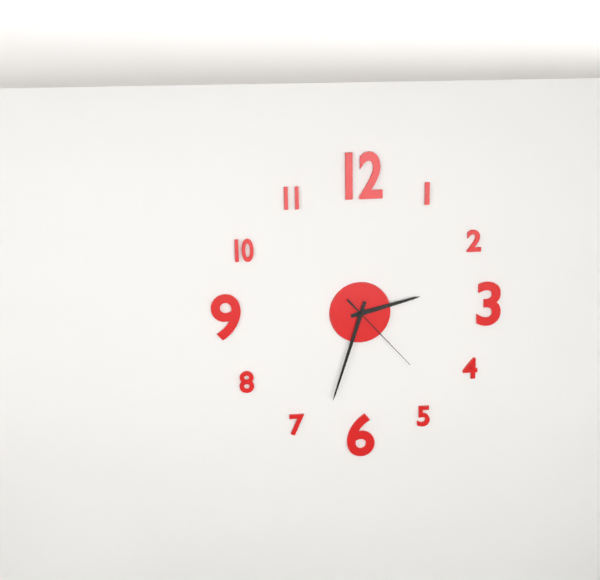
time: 2:33:23
